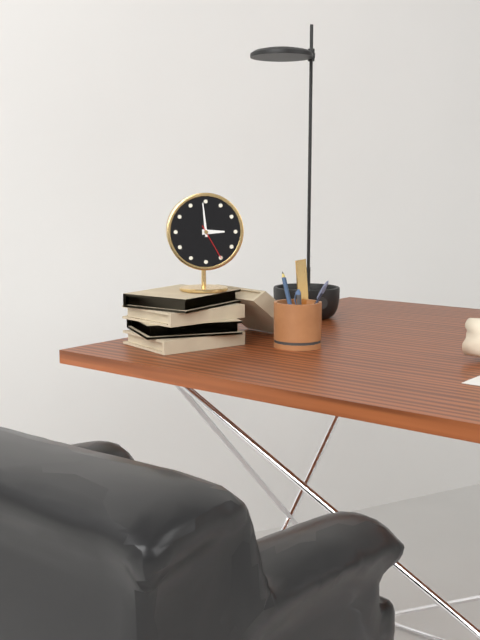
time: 2:59
